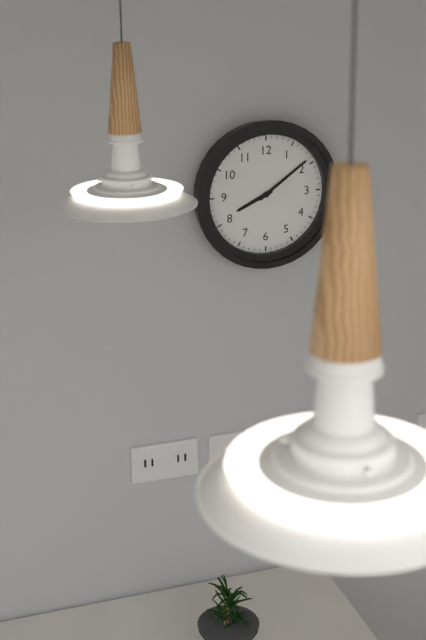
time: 8:09
